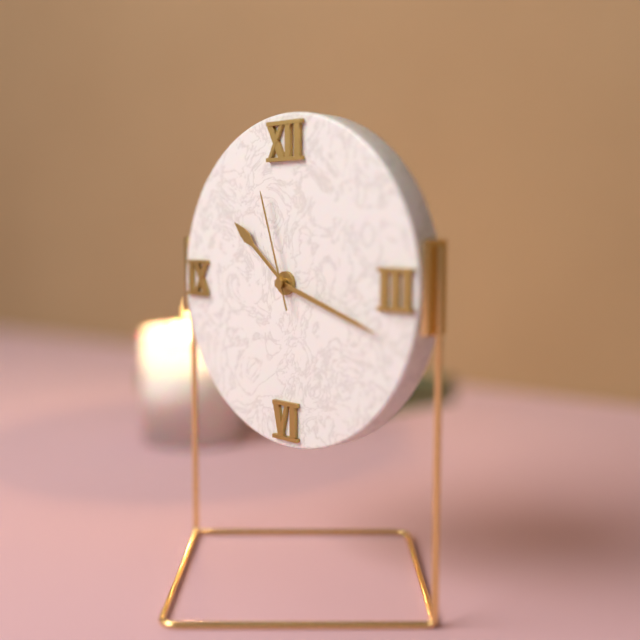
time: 10:18:57
